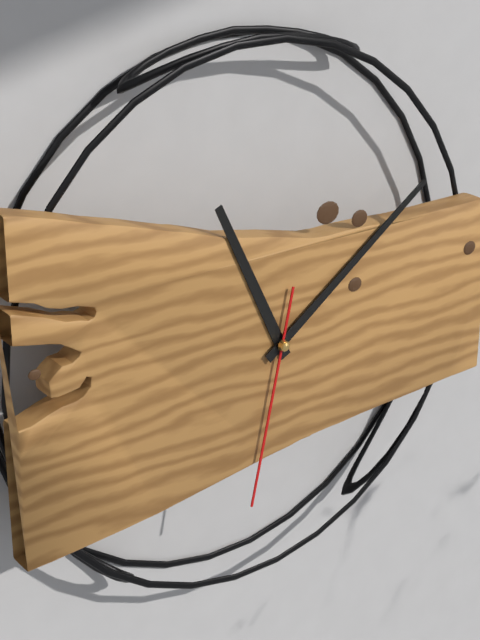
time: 11:09:32
